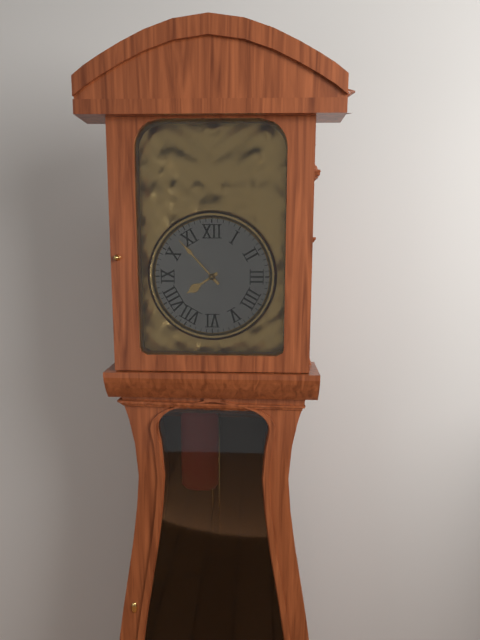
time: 7:53
